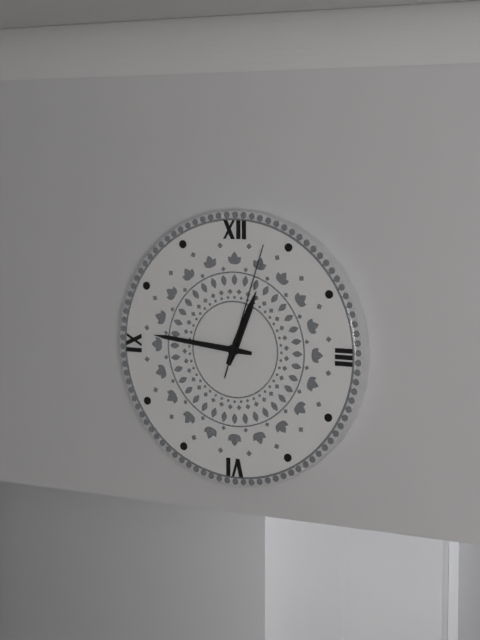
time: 12:46:03
